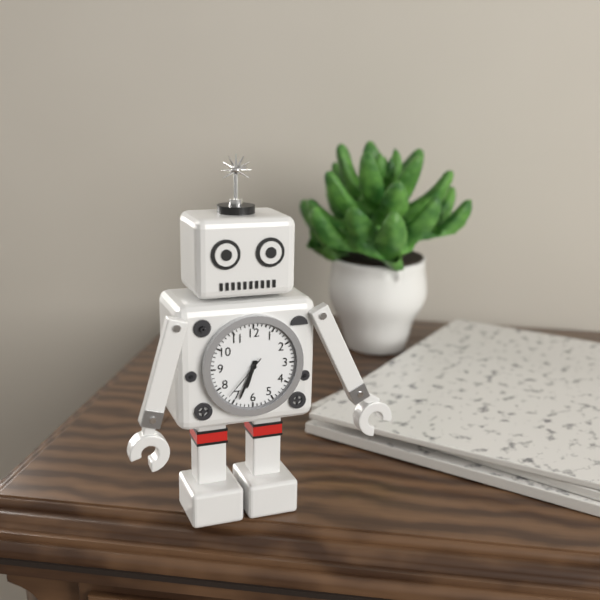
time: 6:34:37
